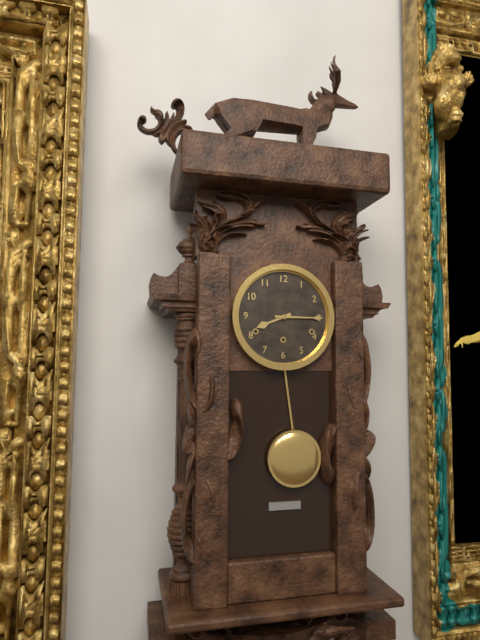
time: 8:15
